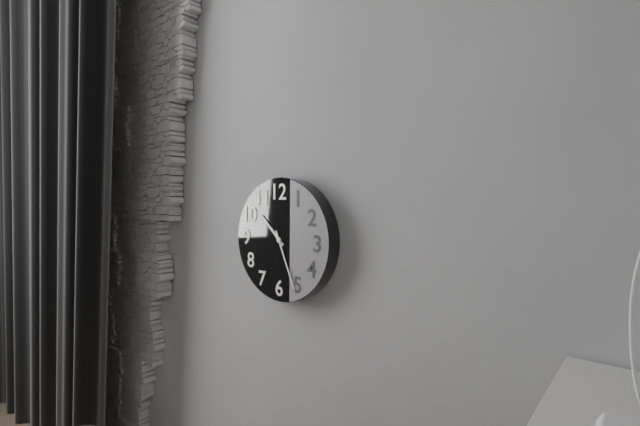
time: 10:26
